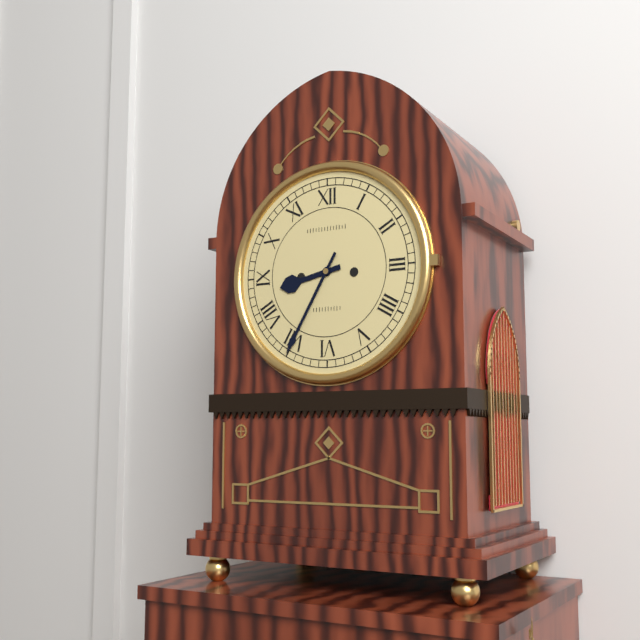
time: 8:35
